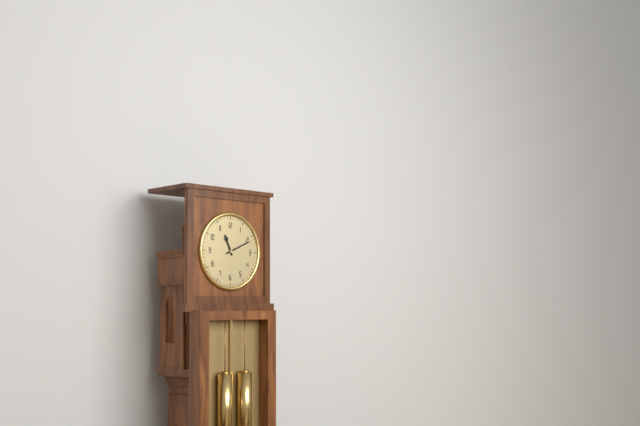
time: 11:11
